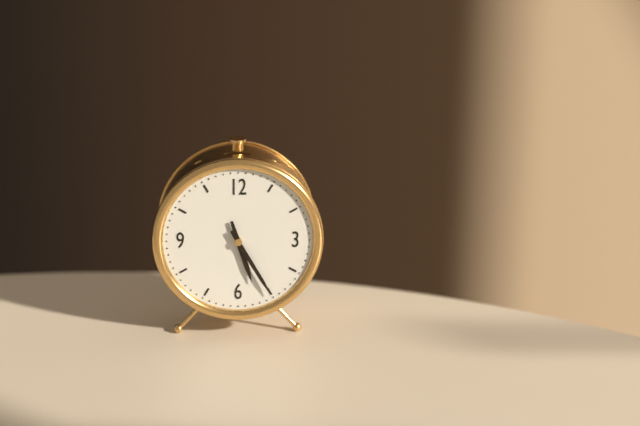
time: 5:25
